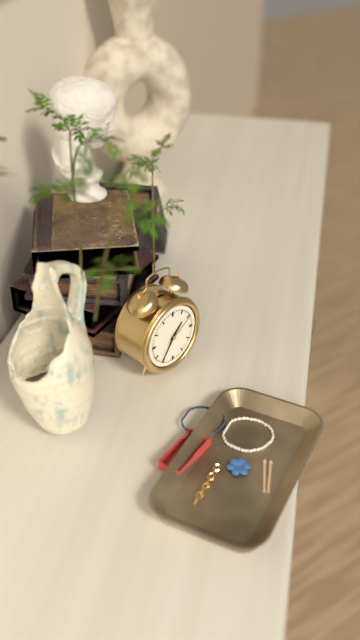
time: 1:36
